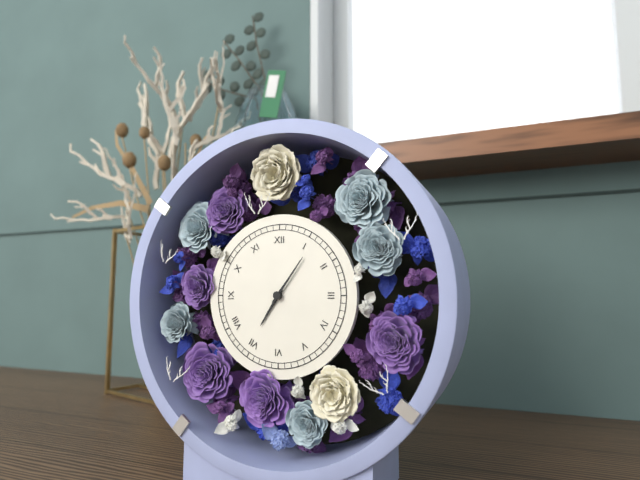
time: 7:06
